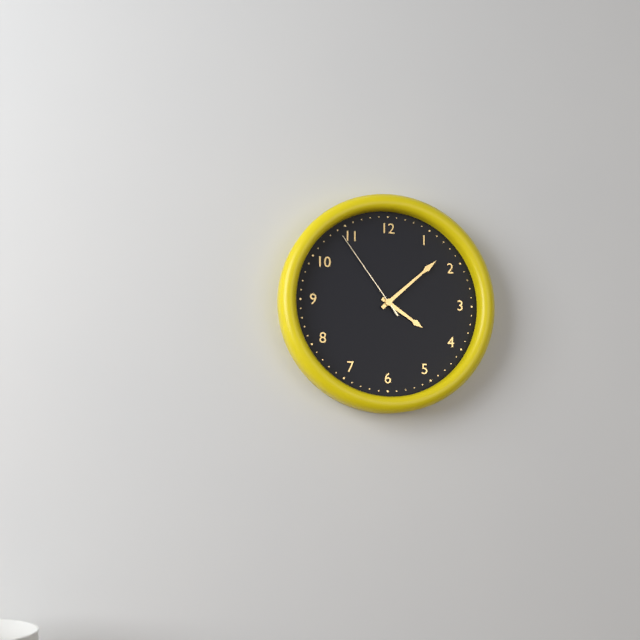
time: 4:08:54
